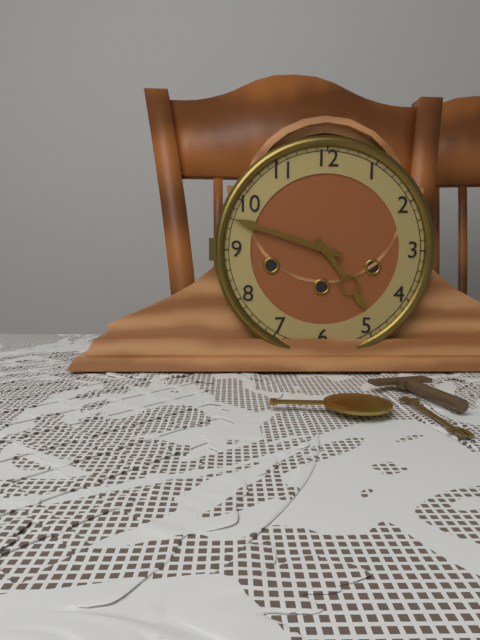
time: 4:48
